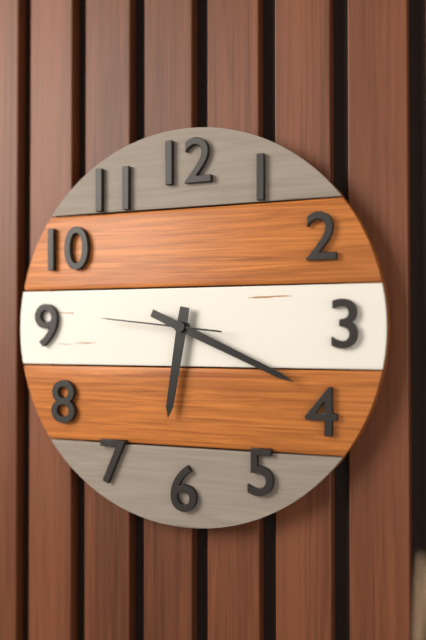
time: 6:19:46
